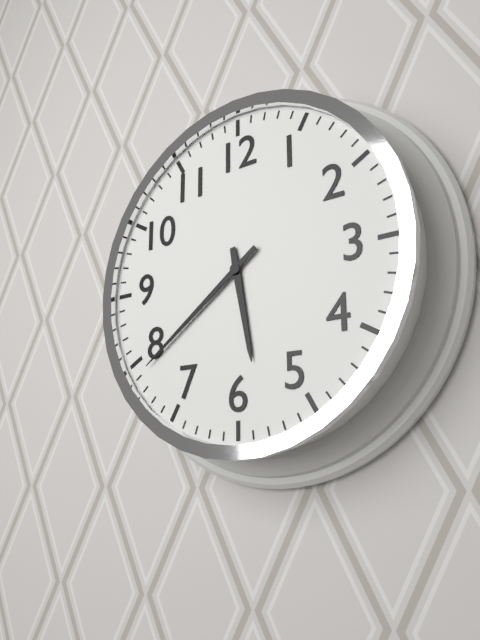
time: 5:39
